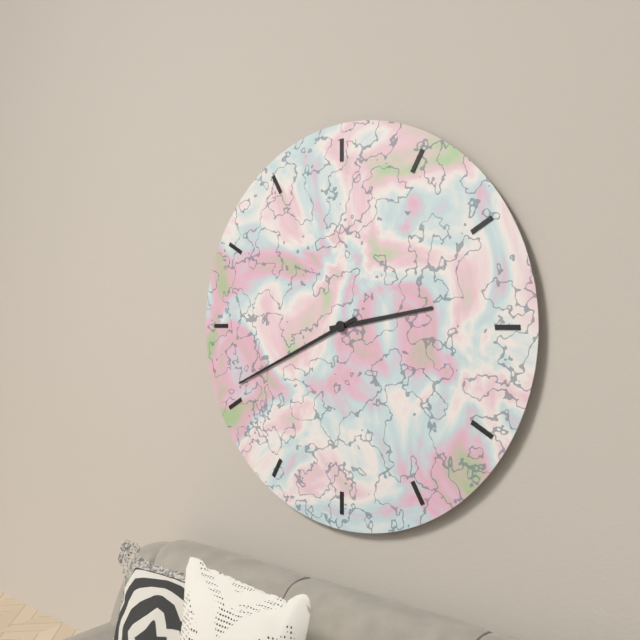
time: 2:41
